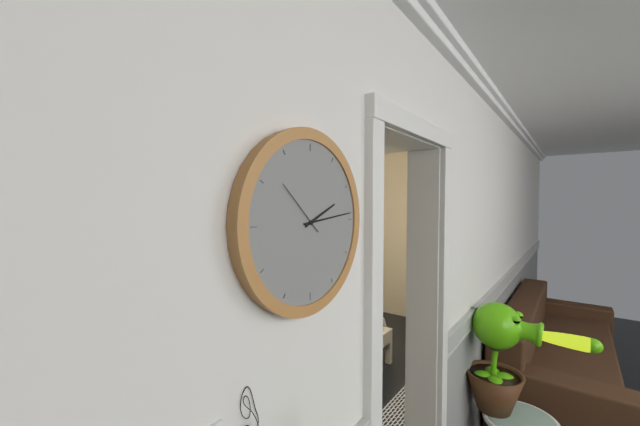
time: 2:14:52
